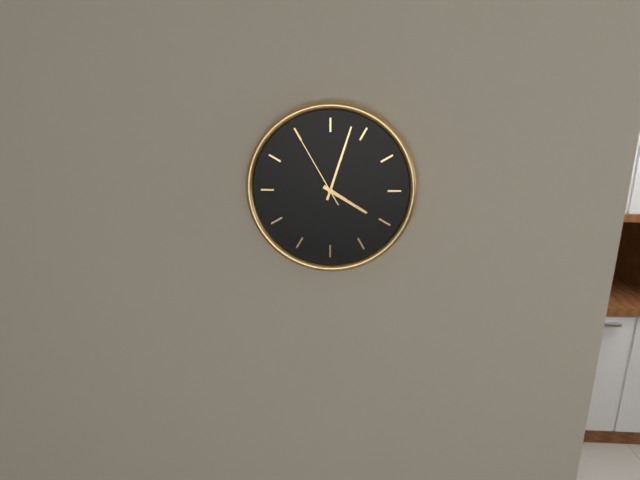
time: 4:03:55
